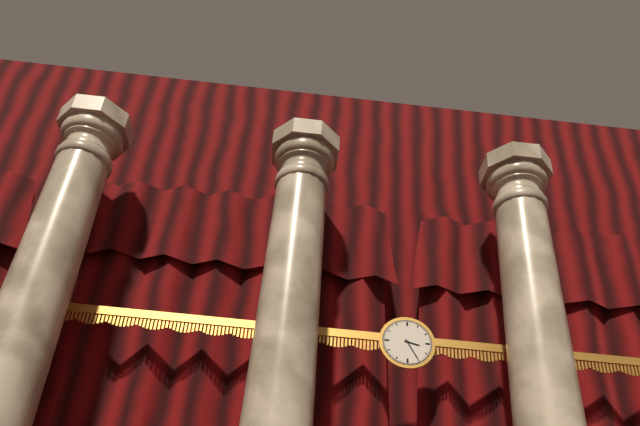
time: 3:25
